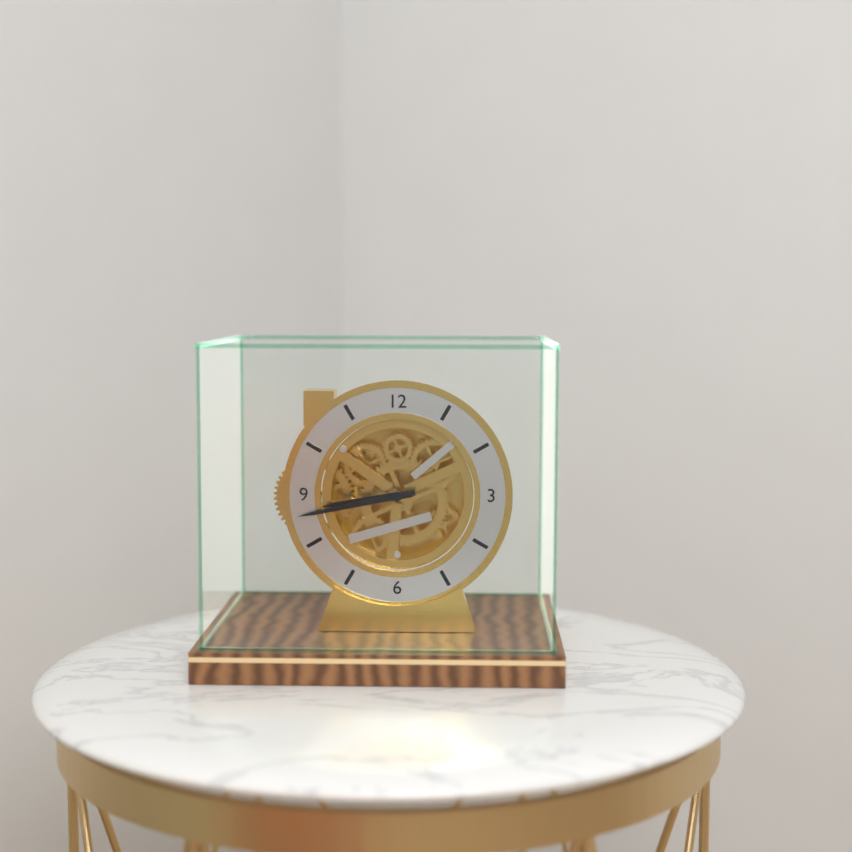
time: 8:43
